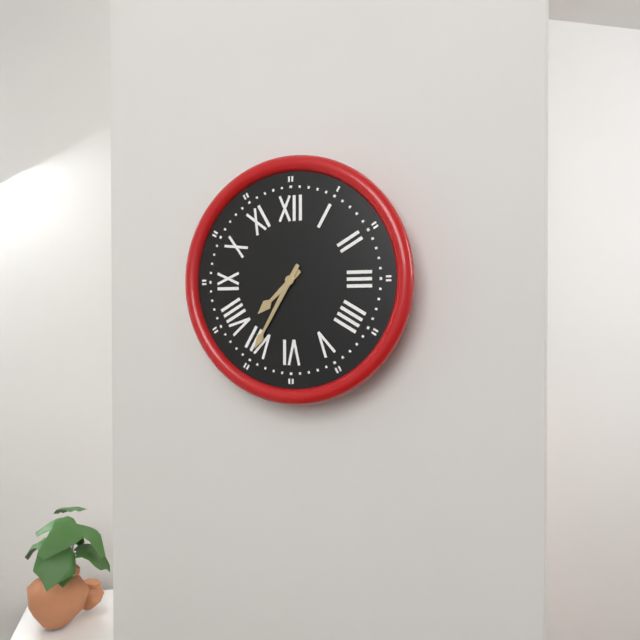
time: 7:35
